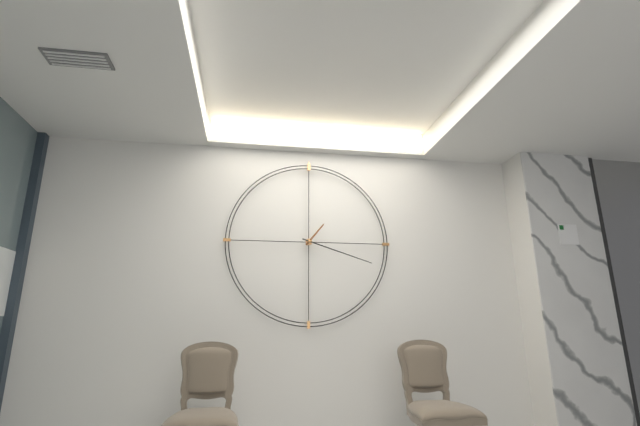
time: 1:18
